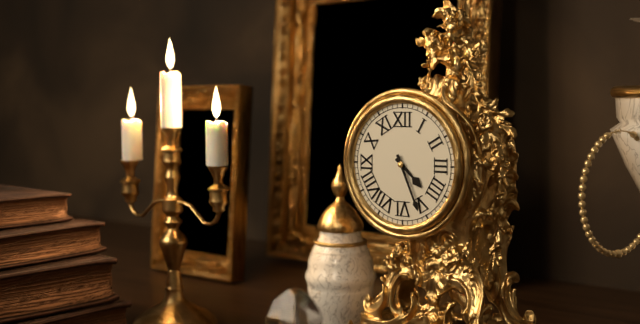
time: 4:26
